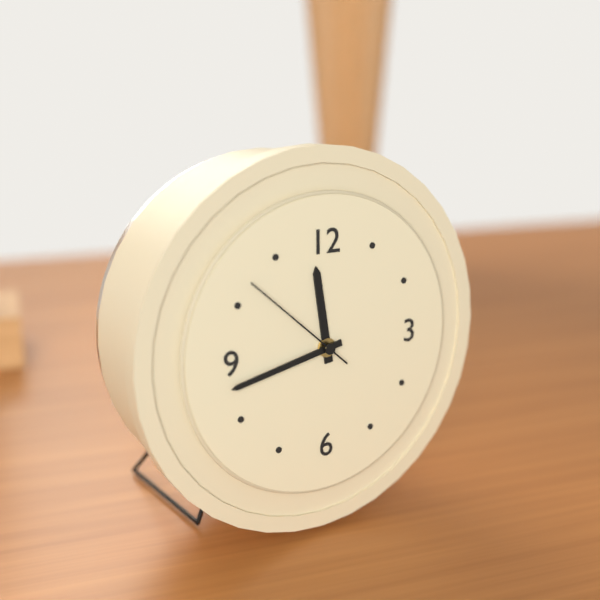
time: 11:43:52
